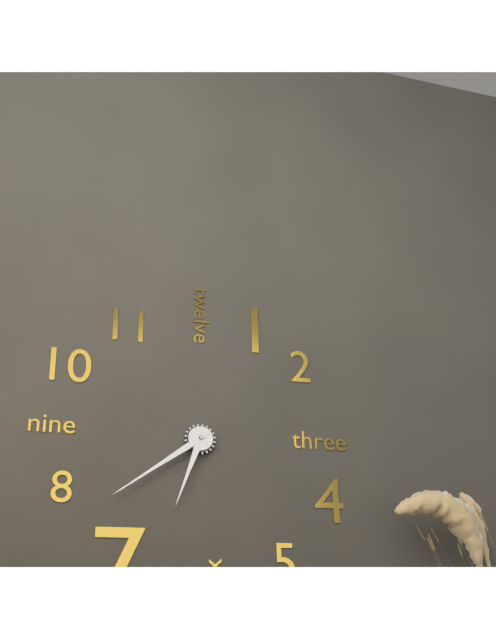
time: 6:39
